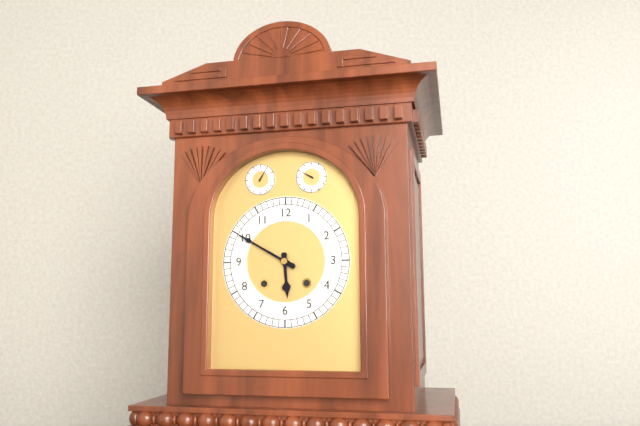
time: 5:50
